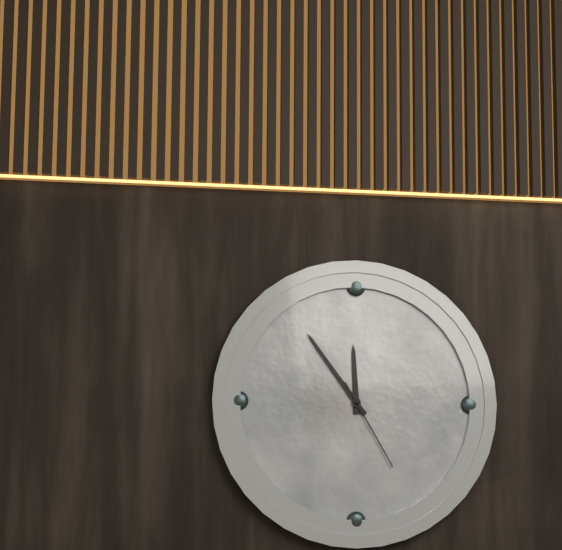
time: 11:54:25
